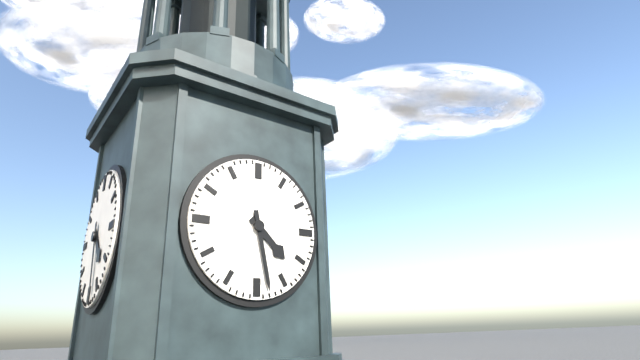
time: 4:28
